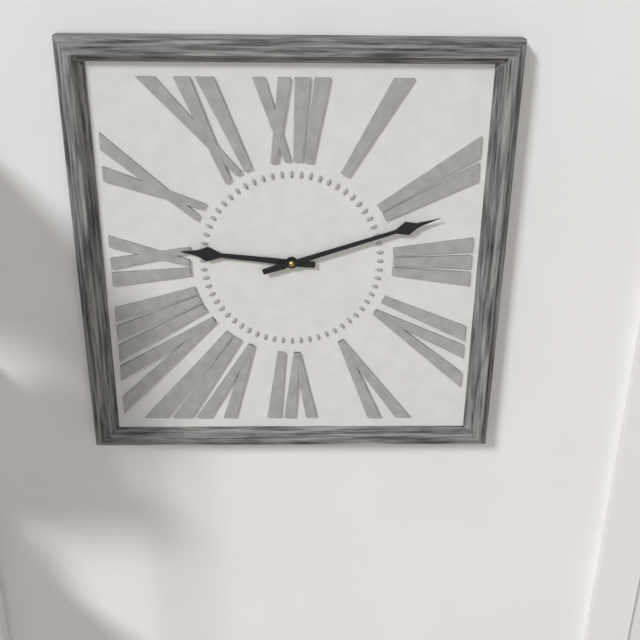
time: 9:12
